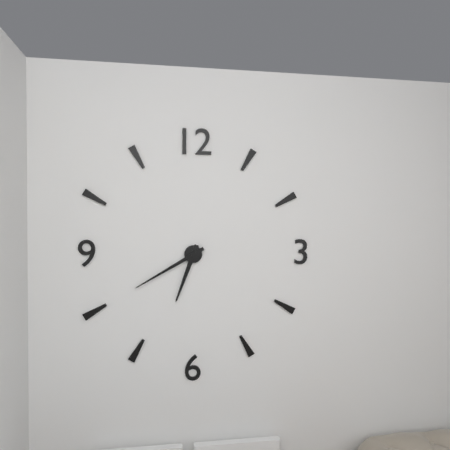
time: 6:40
